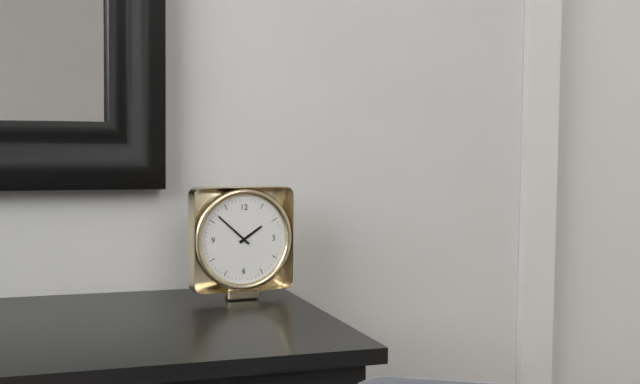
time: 1:52
